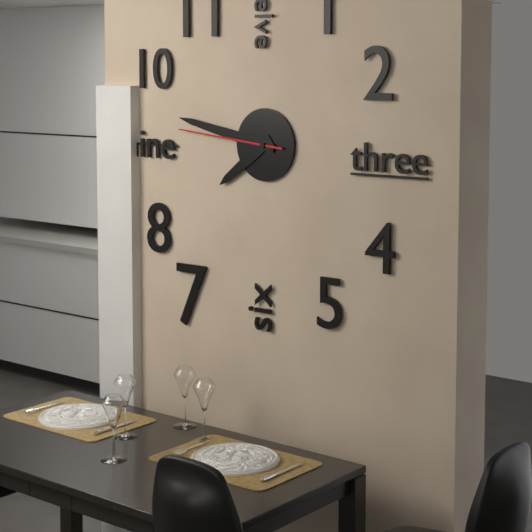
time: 7:47:46
